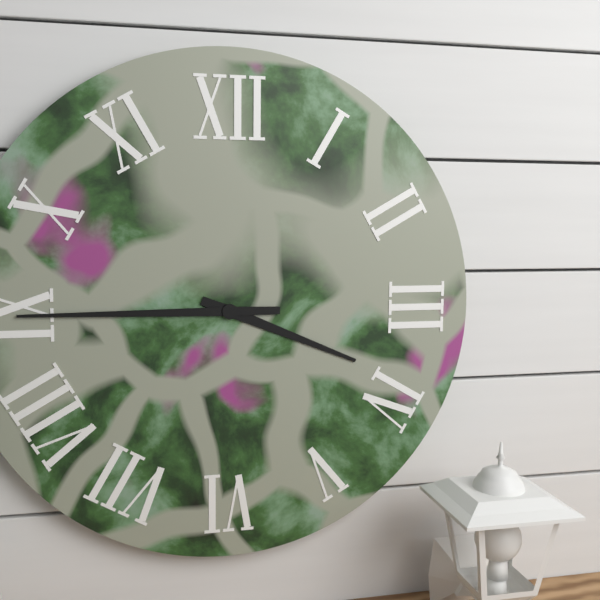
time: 3:45
